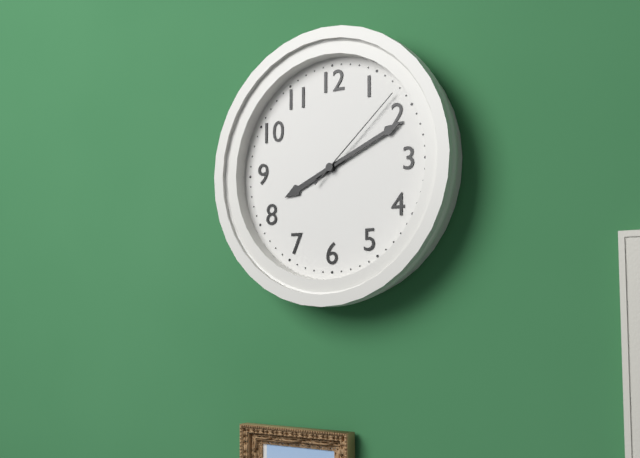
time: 8:11:08
